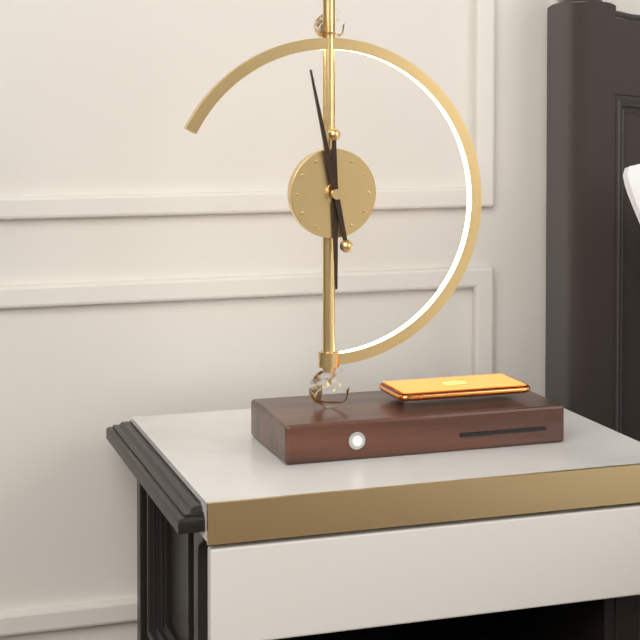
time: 5:58
